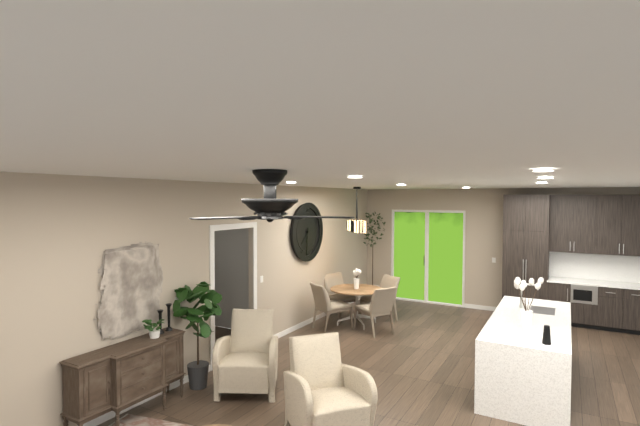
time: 7:31
